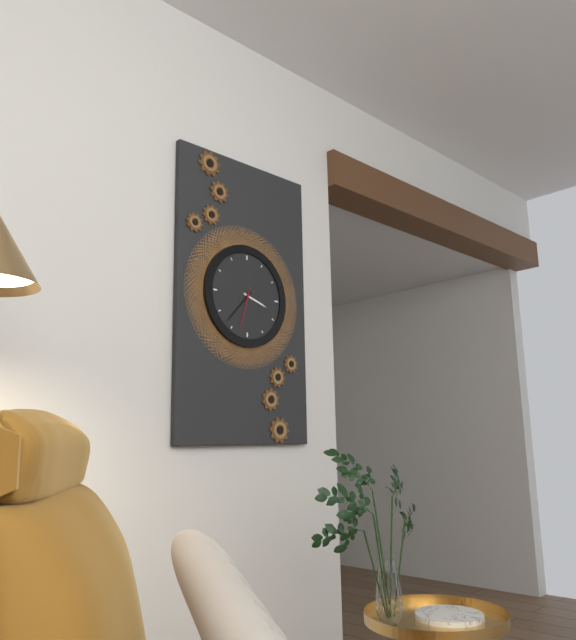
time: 3:37
